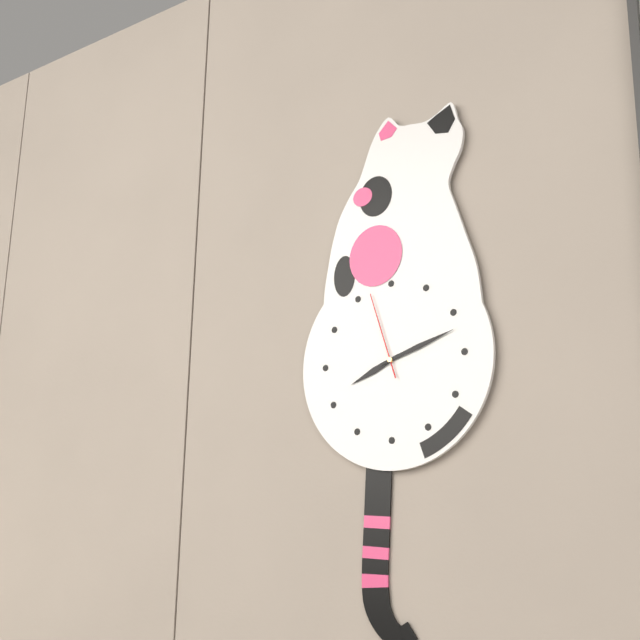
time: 8:12:57
